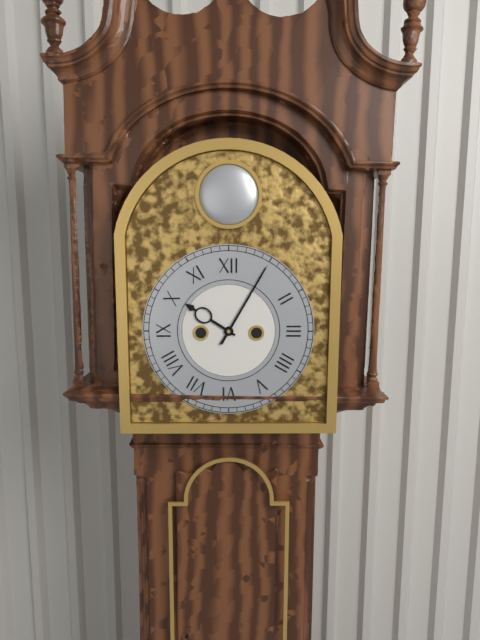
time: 10:05
